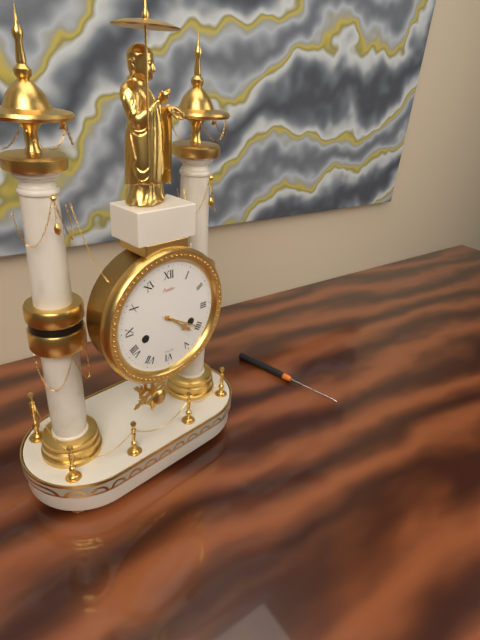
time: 4:20
